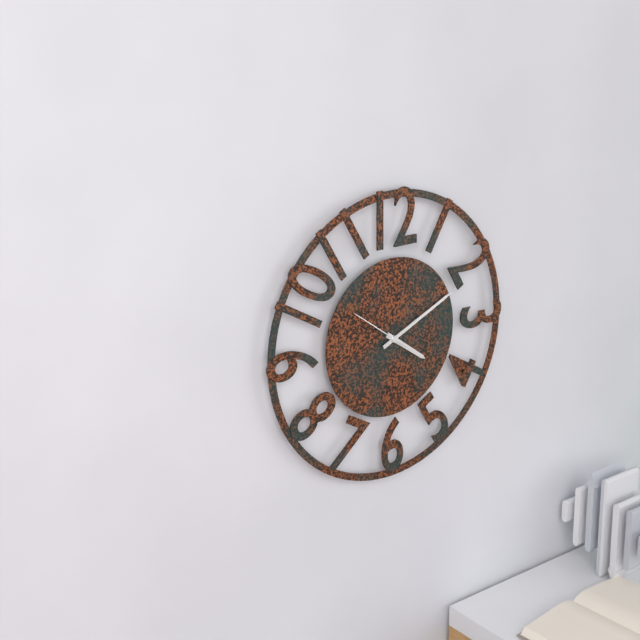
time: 4:11
